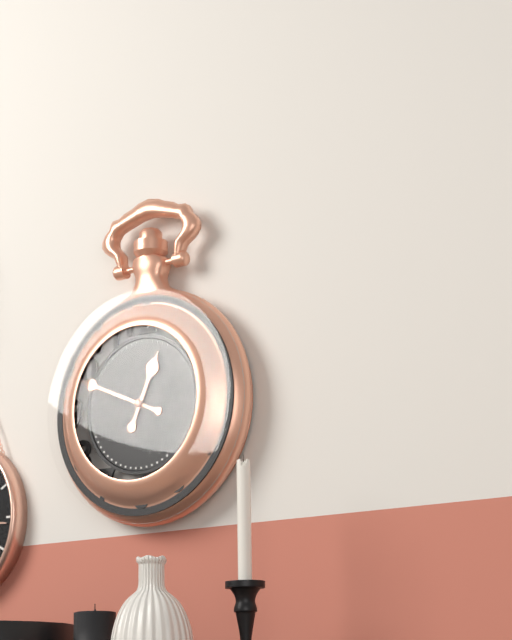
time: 12:49
